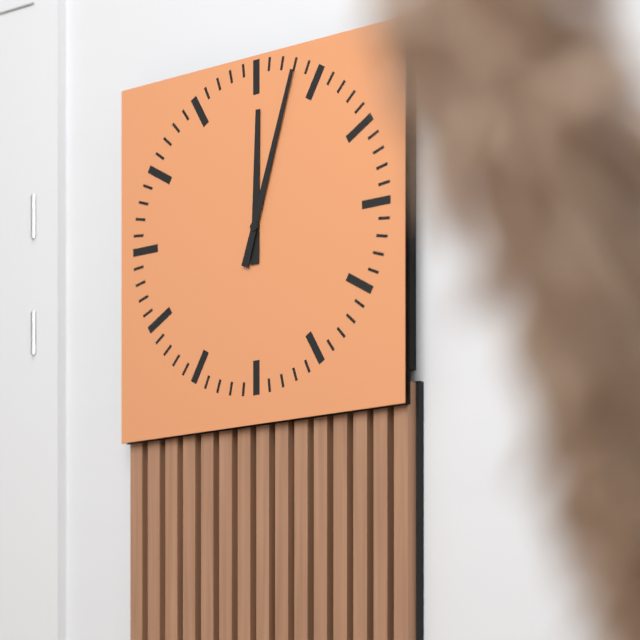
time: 12:03
